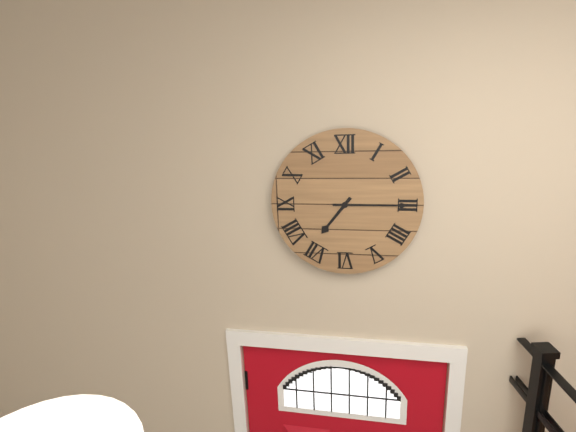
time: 7:15
